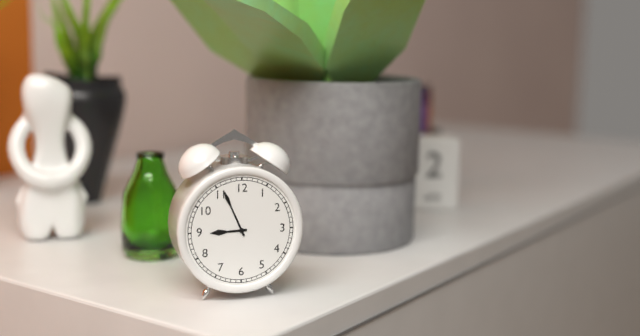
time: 8:56
